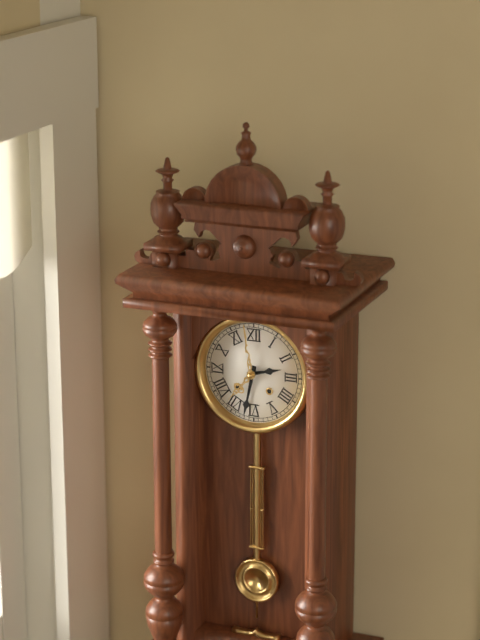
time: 2:32
